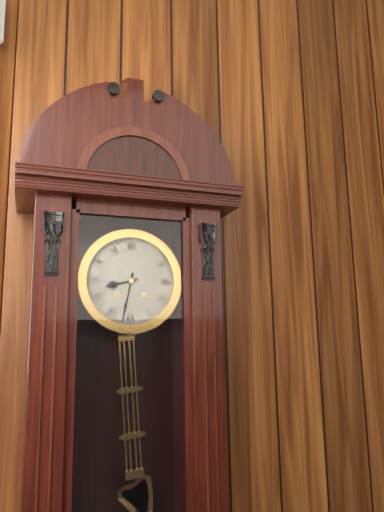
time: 8:32
